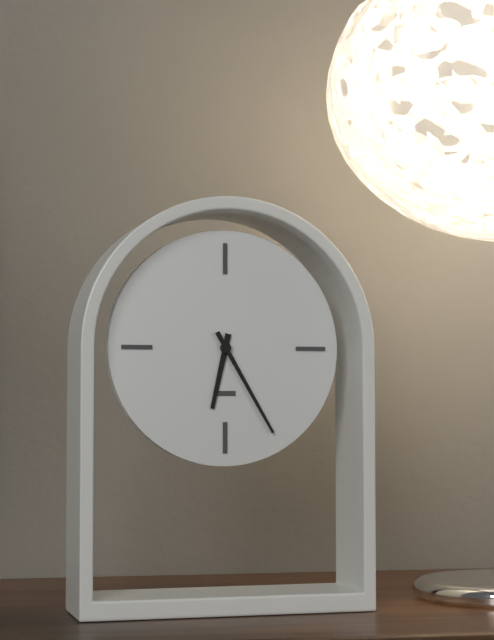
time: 6:25
